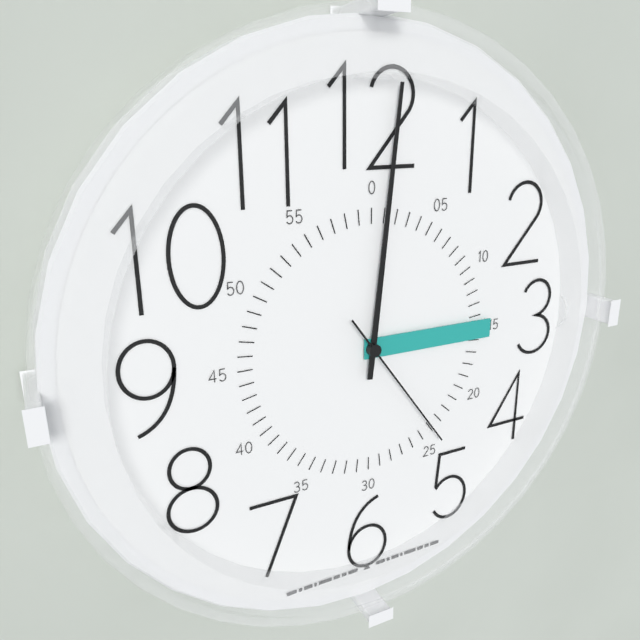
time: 3:01:24
